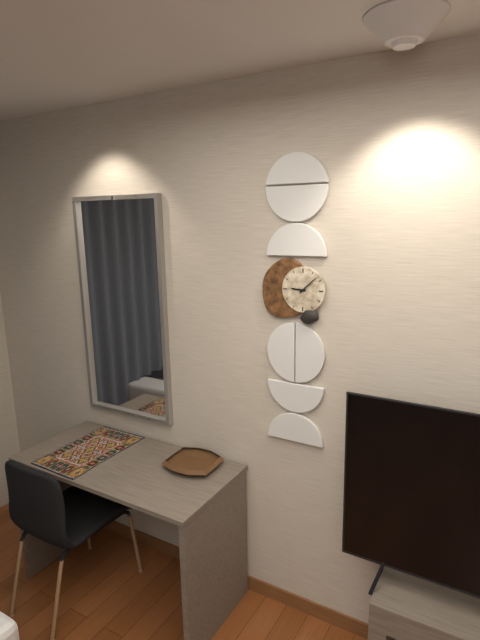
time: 9:08
